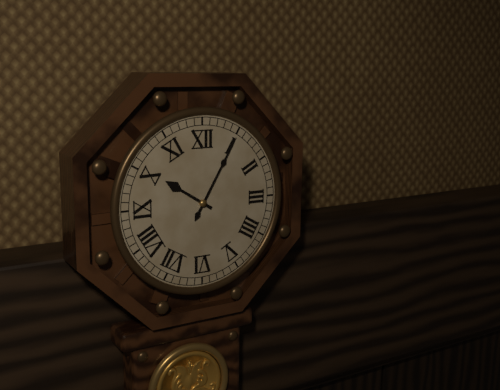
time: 10:05
